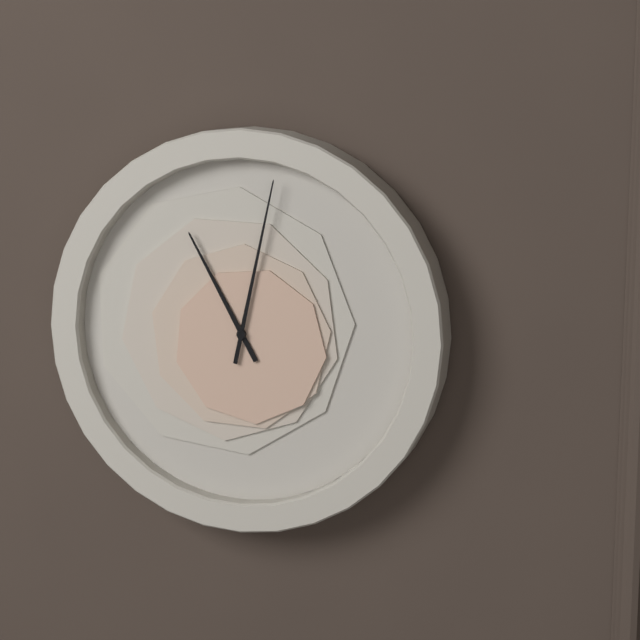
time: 11:02
